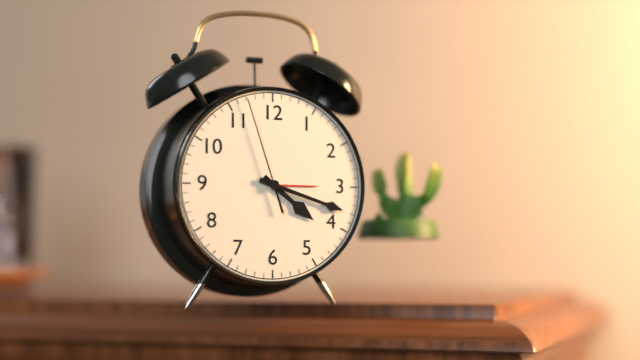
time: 4:18:57
